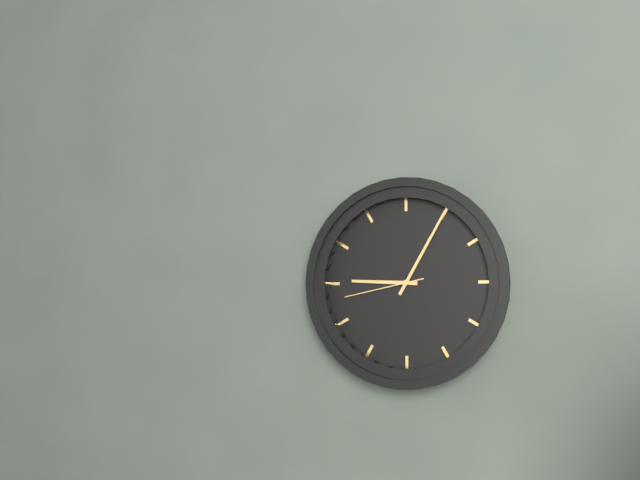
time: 9:05:43
